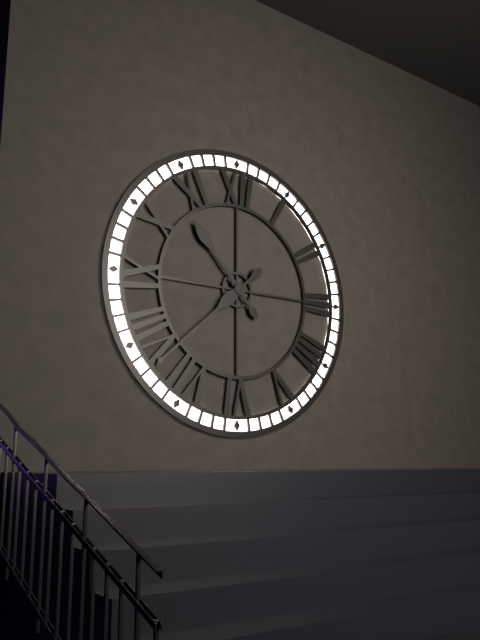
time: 10:38
